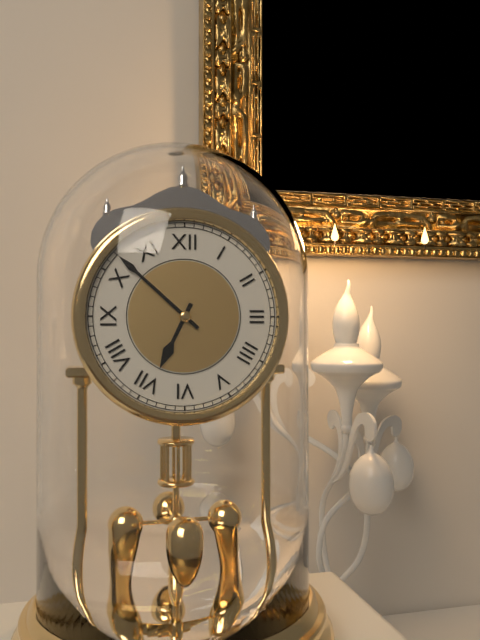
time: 6:52
